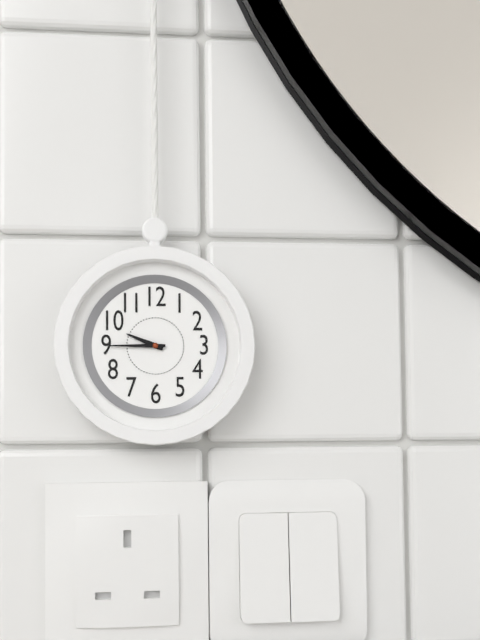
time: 9:45
